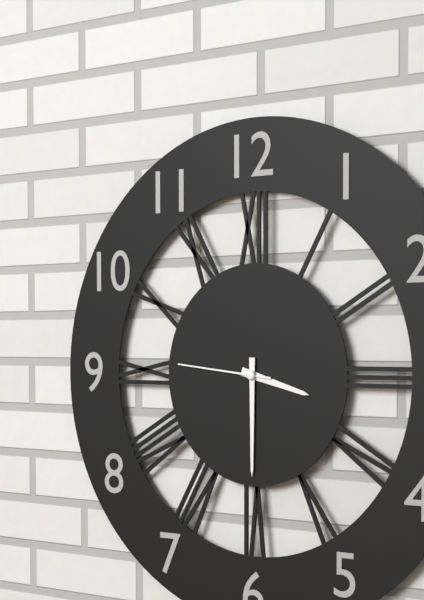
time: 3:30:46
